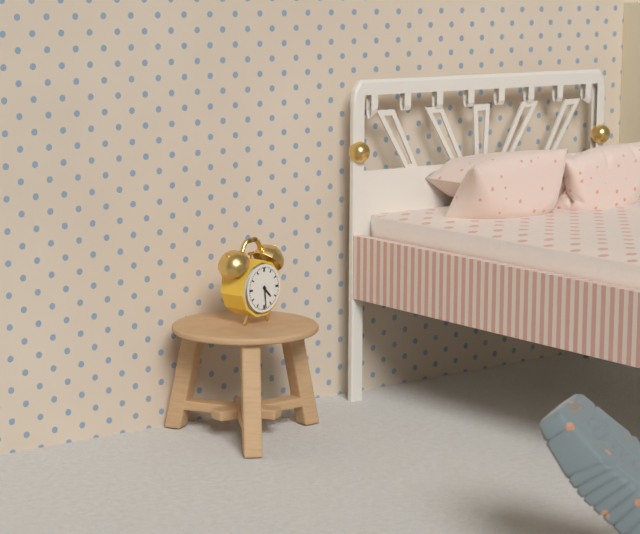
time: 4:29
